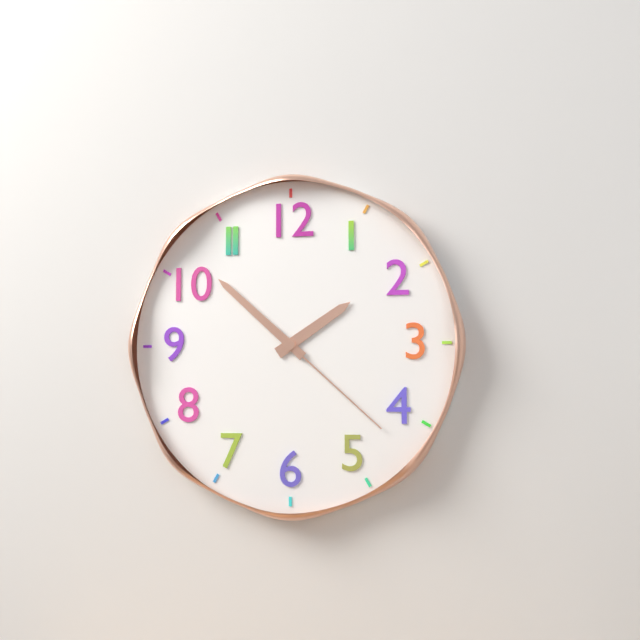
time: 1:52:22
